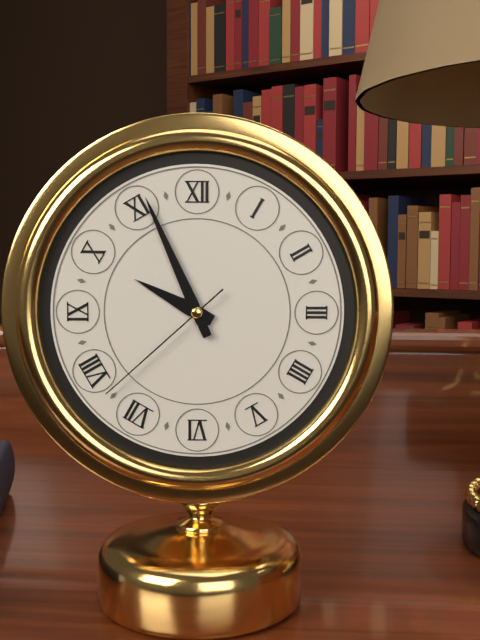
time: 9:56:38
